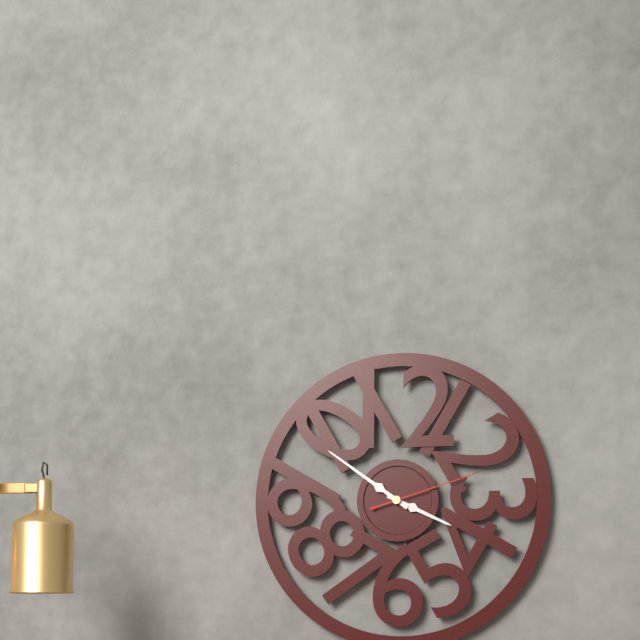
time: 3:51:12
